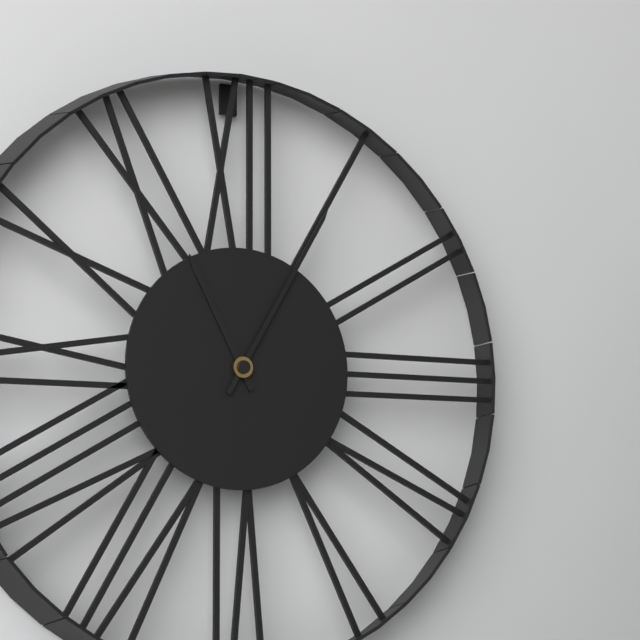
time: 11:05
